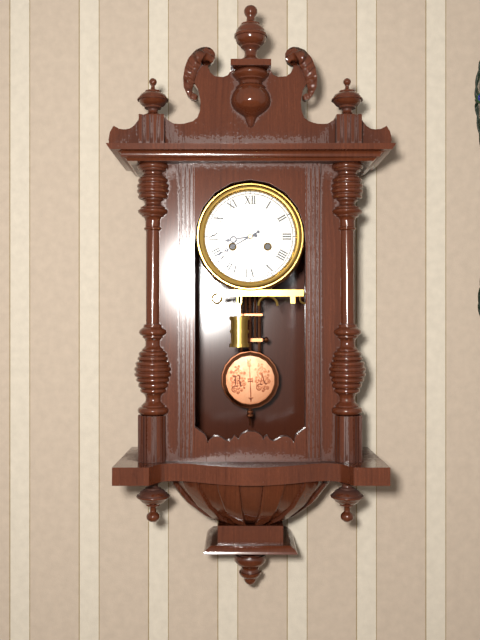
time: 8:40
